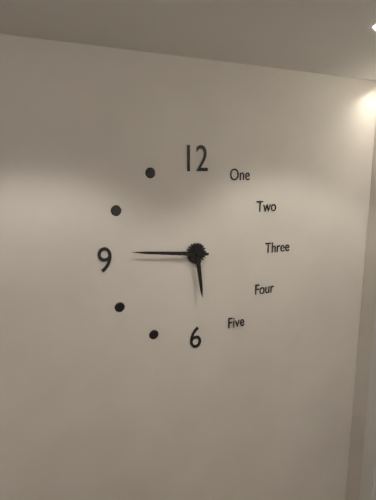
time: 5:46
